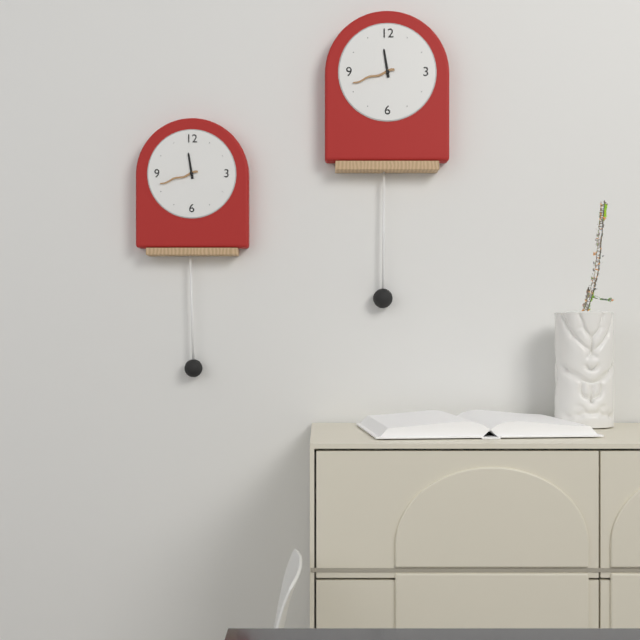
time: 11:42
